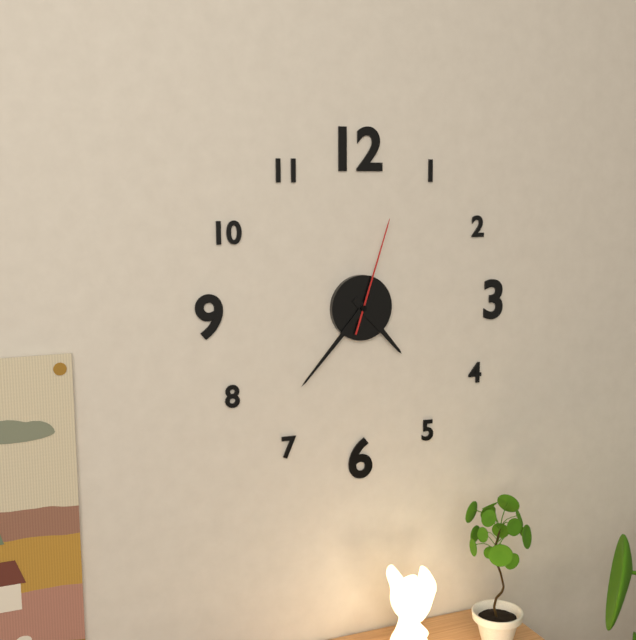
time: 4:37:03
